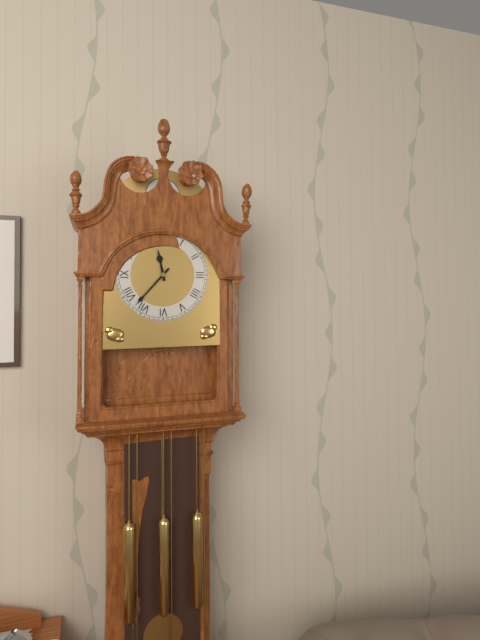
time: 11:37
